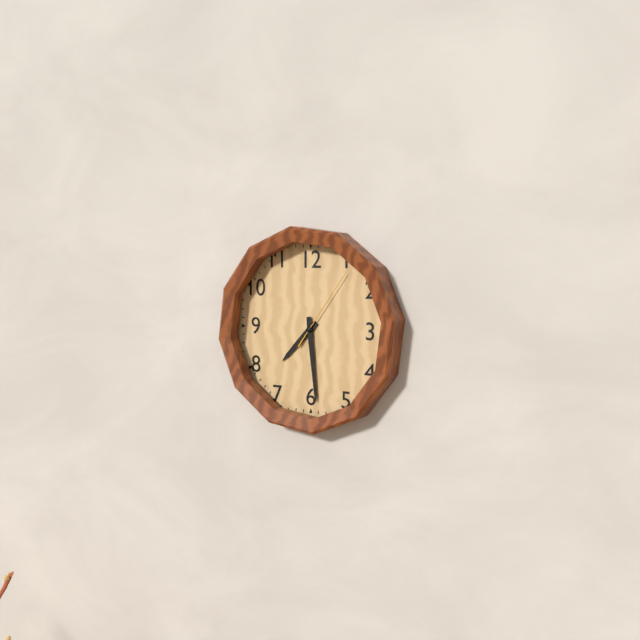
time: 7:29:06
